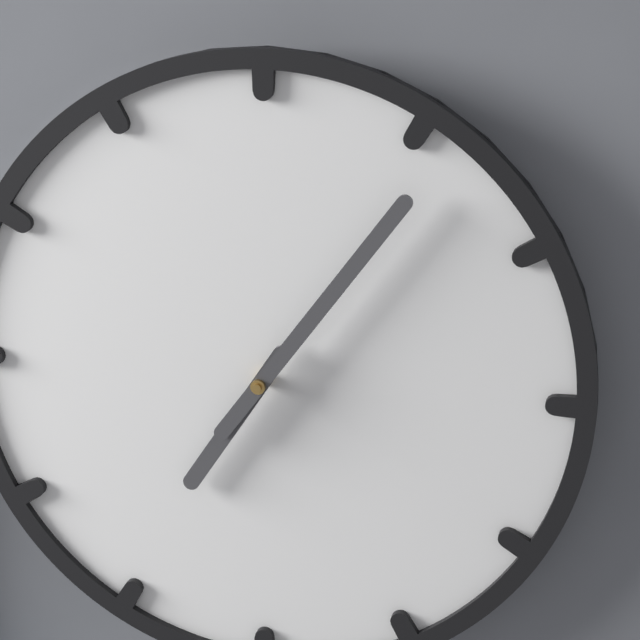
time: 7:06
